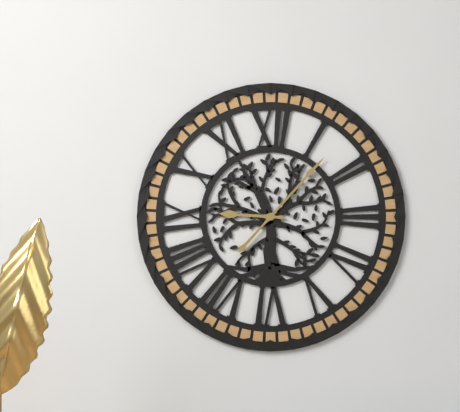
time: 9:07
